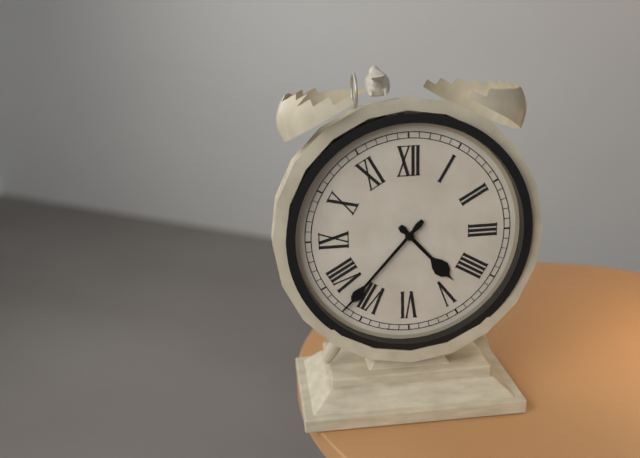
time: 4:37
